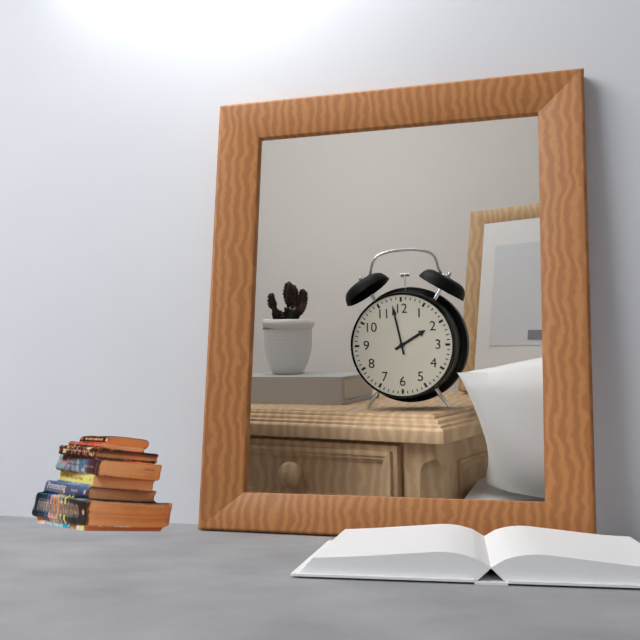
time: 1:58
